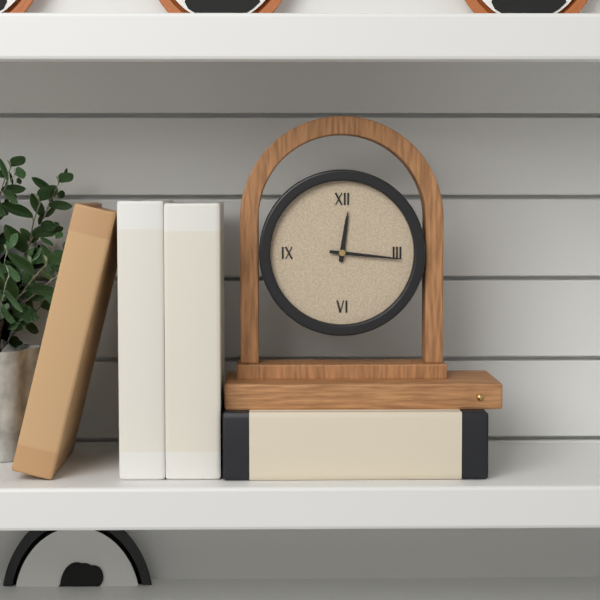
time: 12:16
